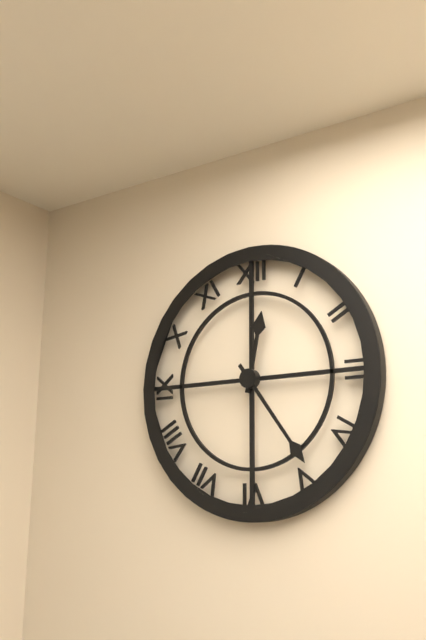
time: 12:24
